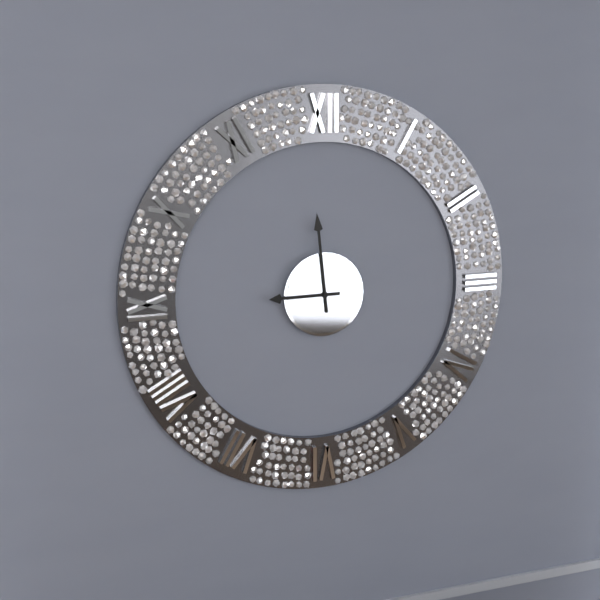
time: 8:59
